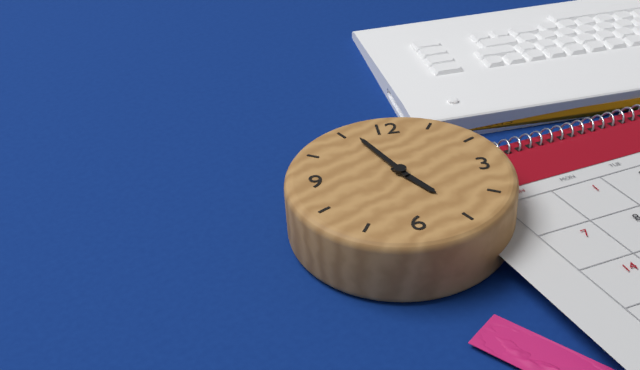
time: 4:56
